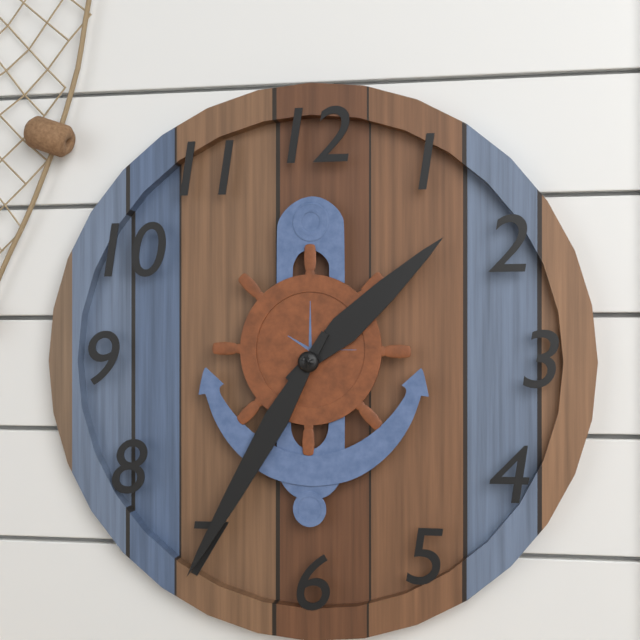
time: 1:35
